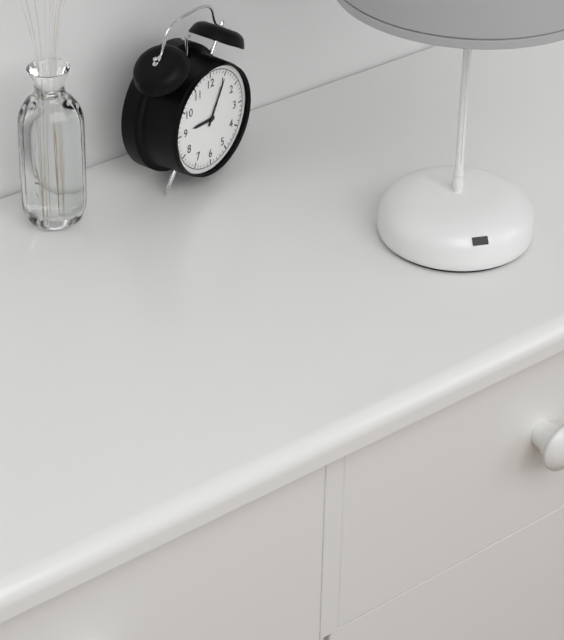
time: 9:05
